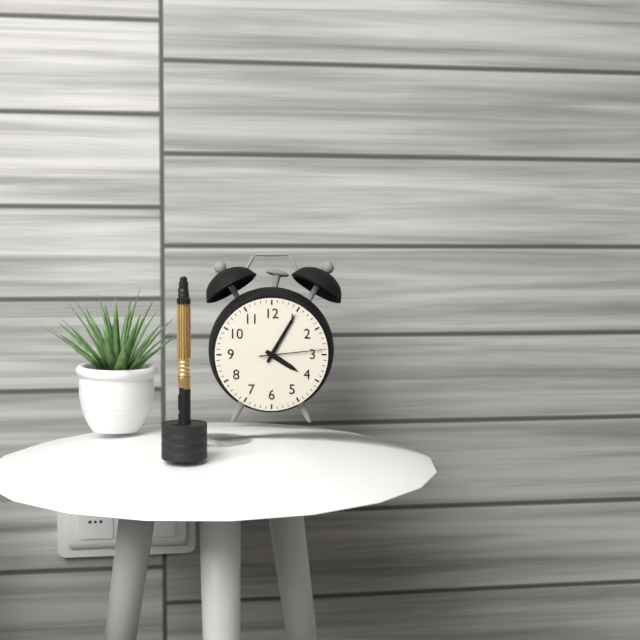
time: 4:05:14
